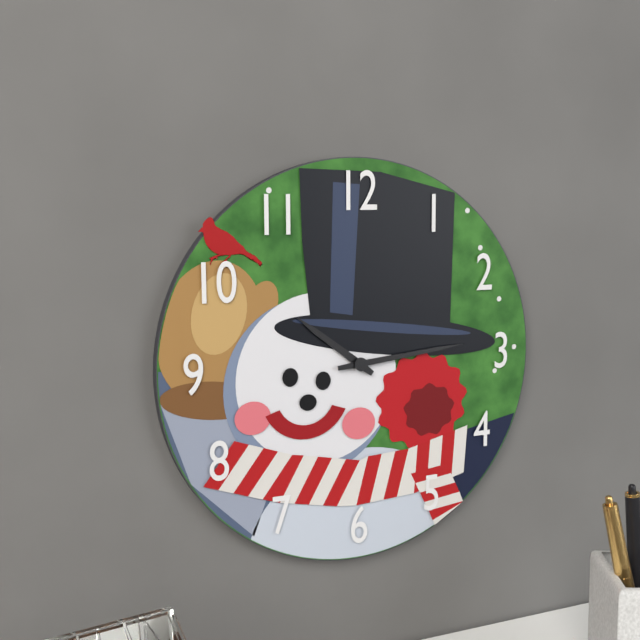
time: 10:14
